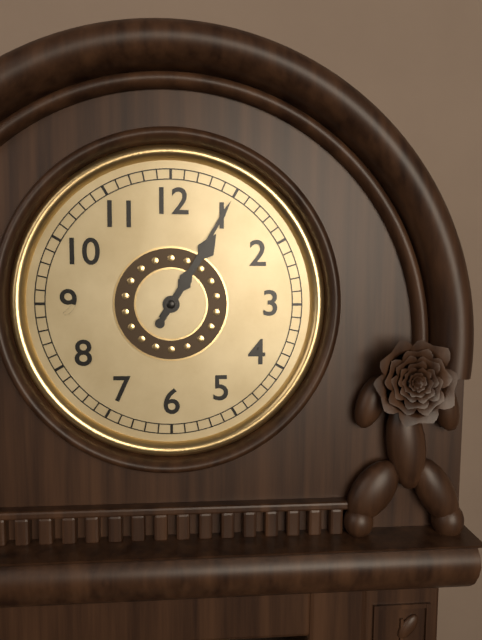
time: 1:05
